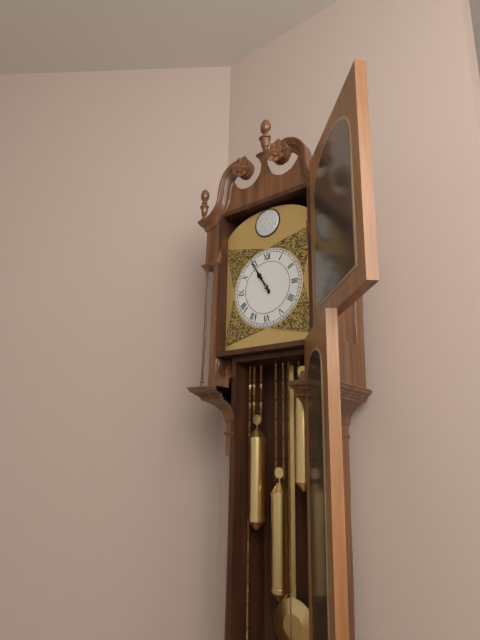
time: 10:55
